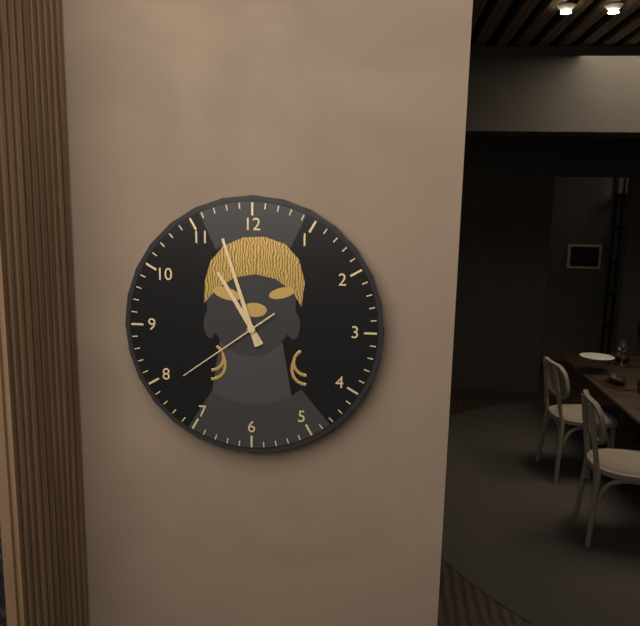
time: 10:57:39
